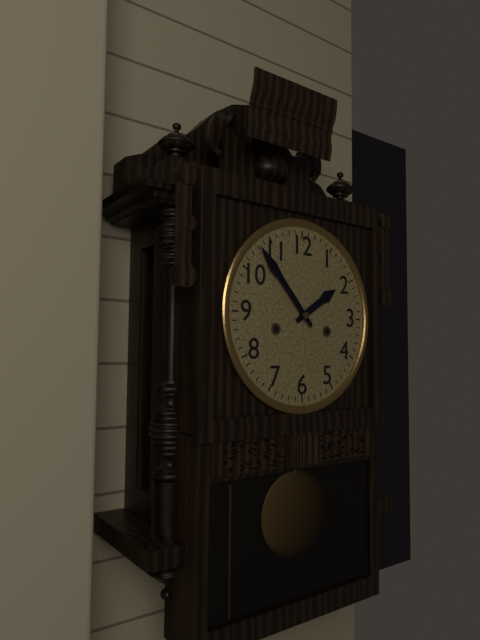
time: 1:53
